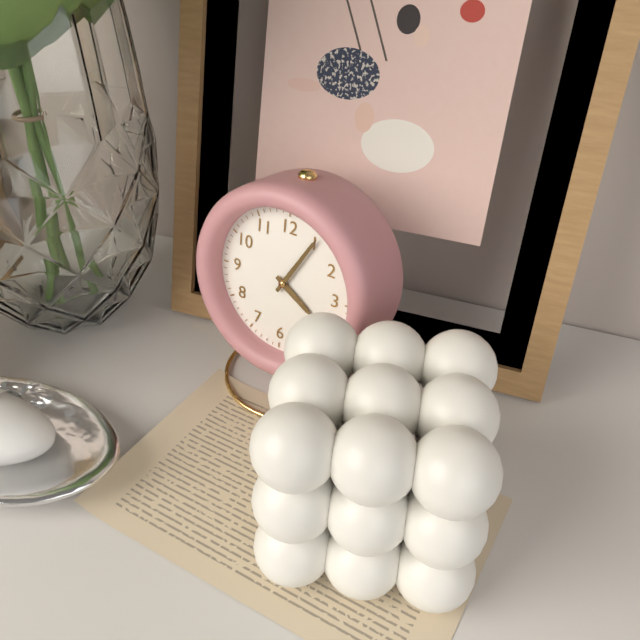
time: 4:05
